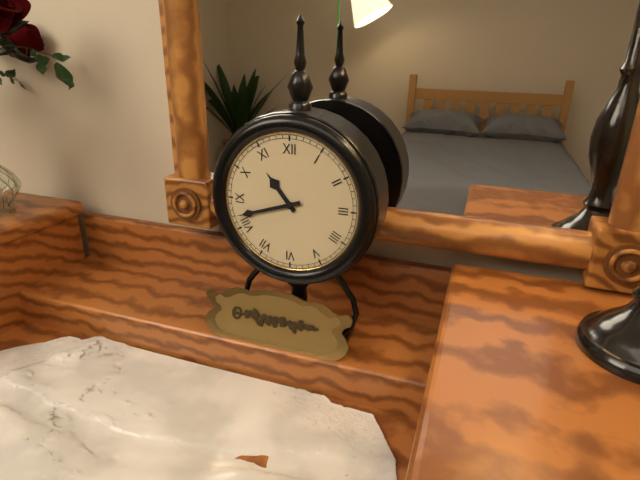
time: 10:42
